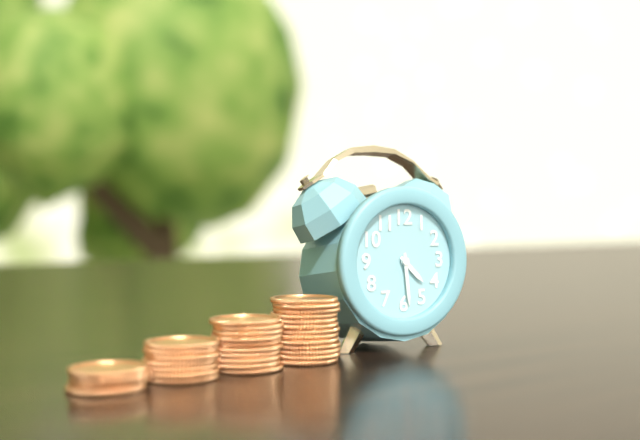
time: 4:29
